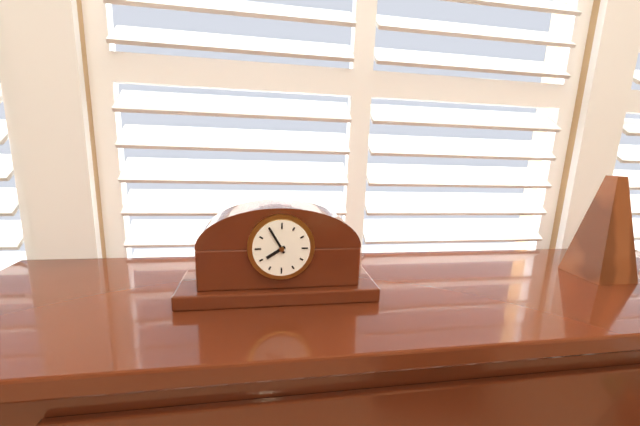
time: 7:55
